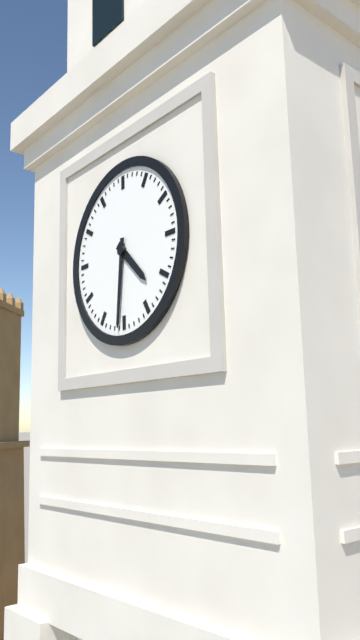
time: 4:31
